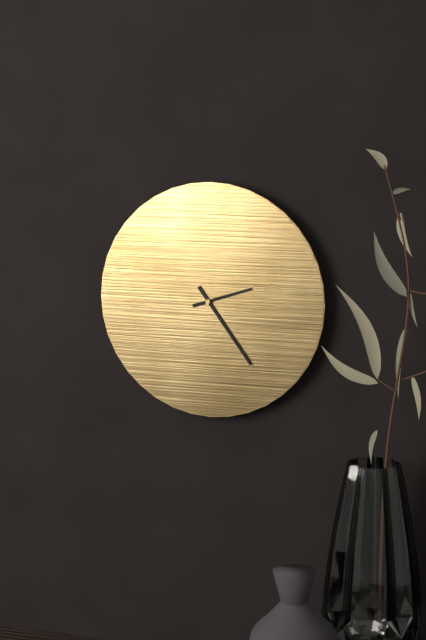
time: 2:24
